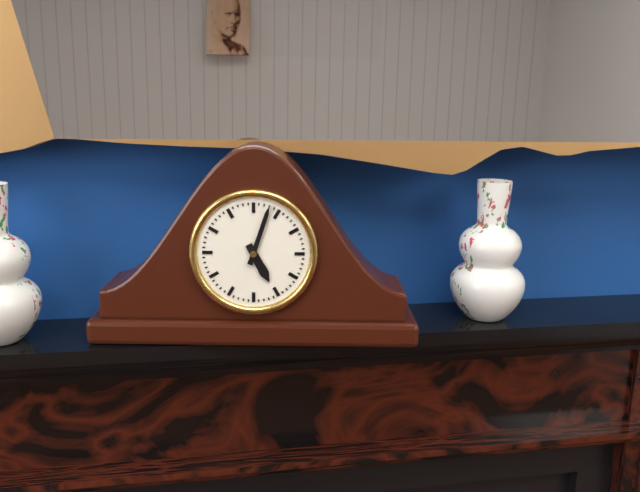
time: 5:03
